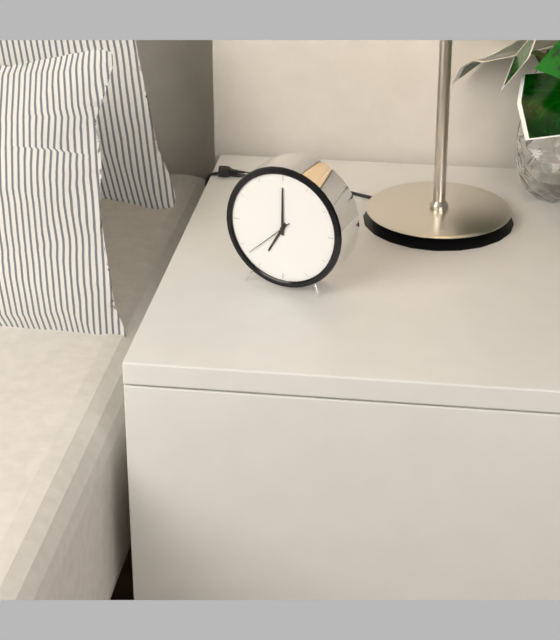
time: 7:00:38
